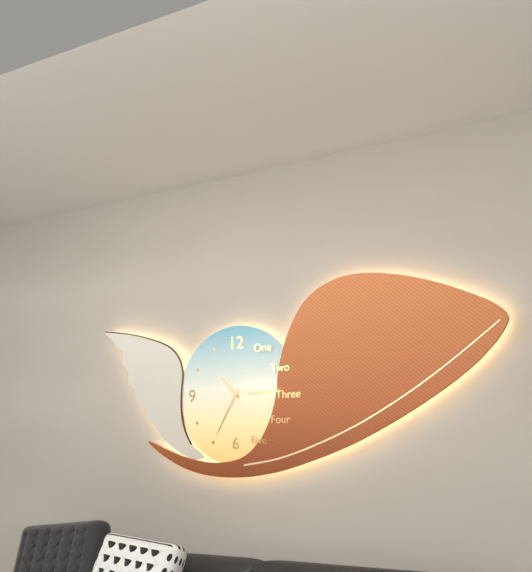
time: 10:35
